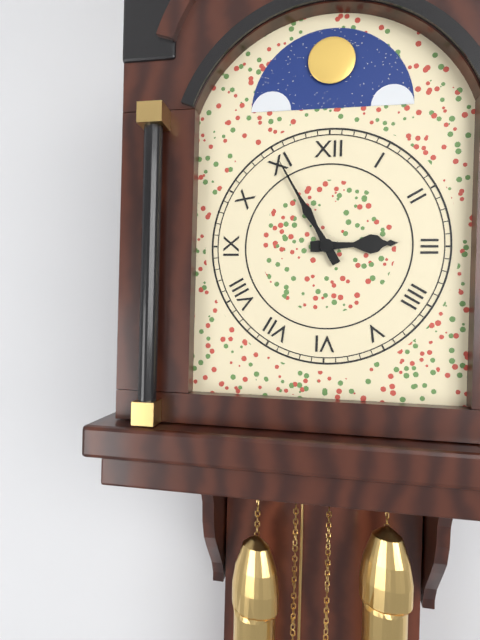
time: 2:55
